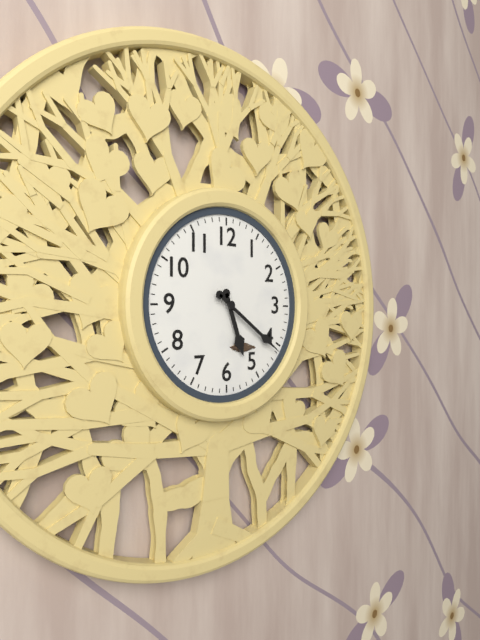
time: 5:21
